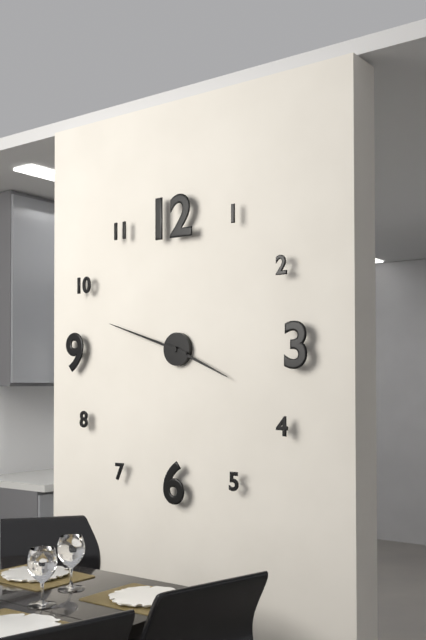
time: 3:48
